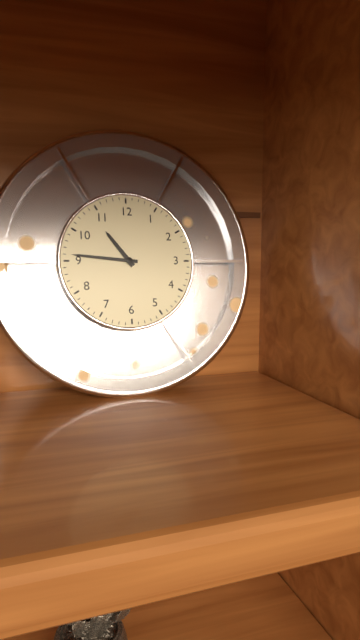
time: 10:46
